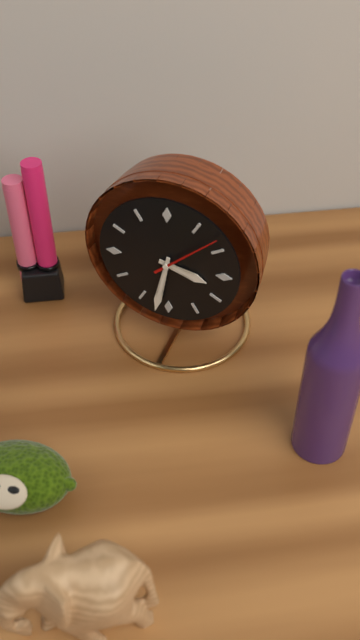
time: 3:32
